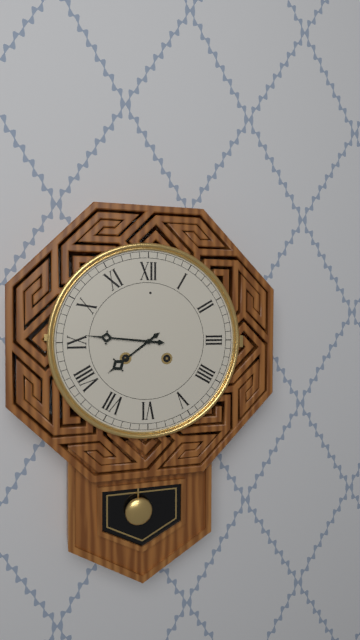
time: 7:46
